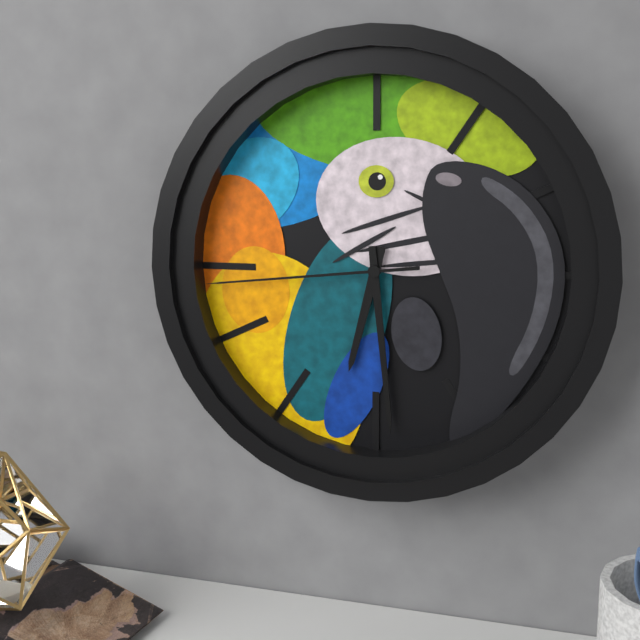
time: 6:29:44
